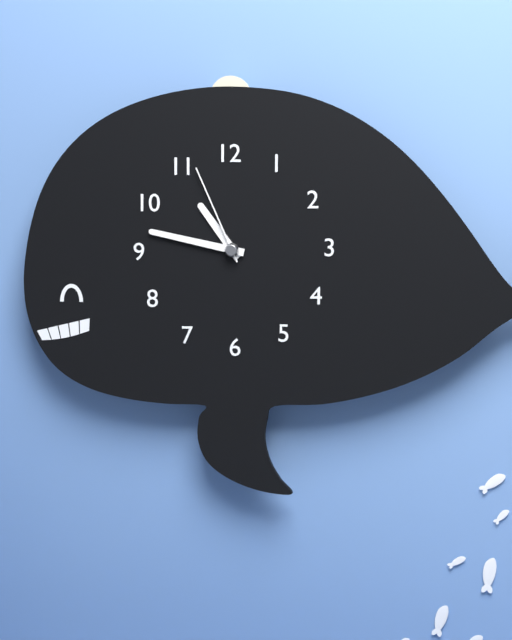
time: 10:47:56
